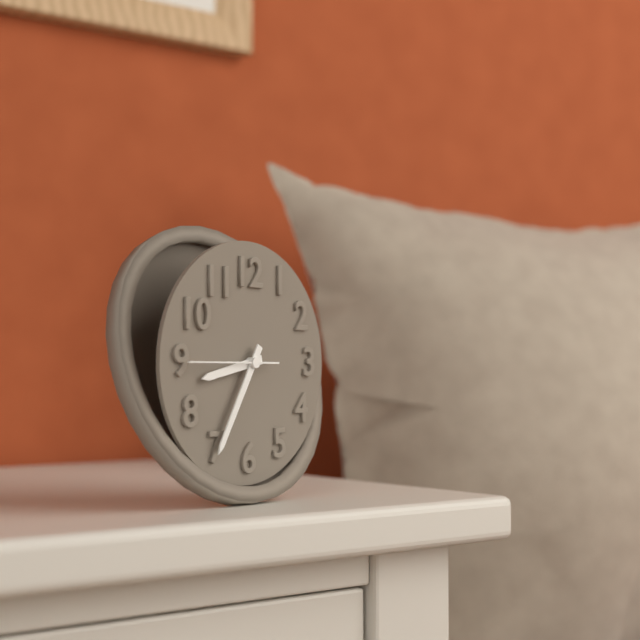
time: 8:35:45
